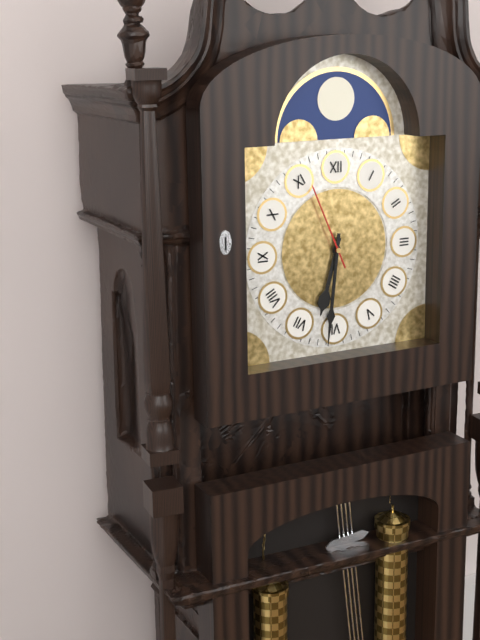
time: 6:31:56
